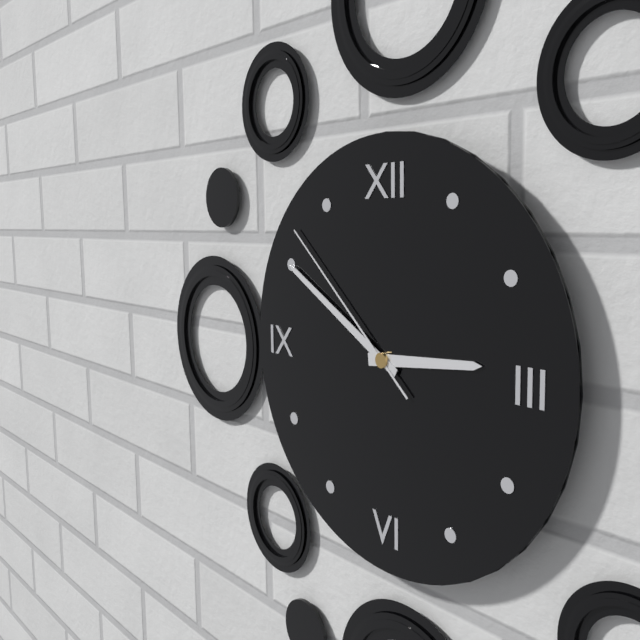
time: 2:50:52
